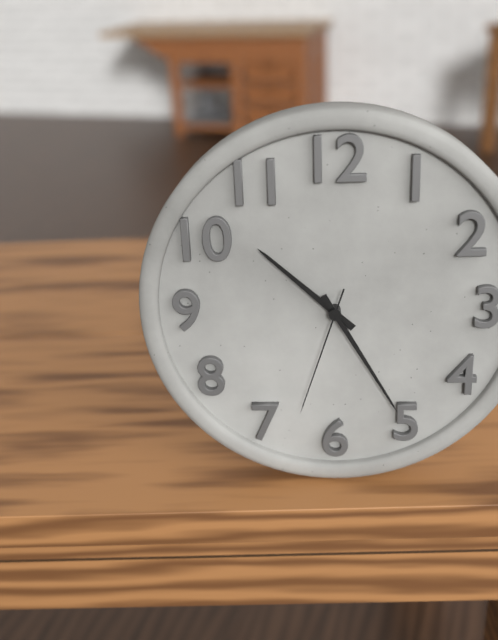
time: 10:25:33
